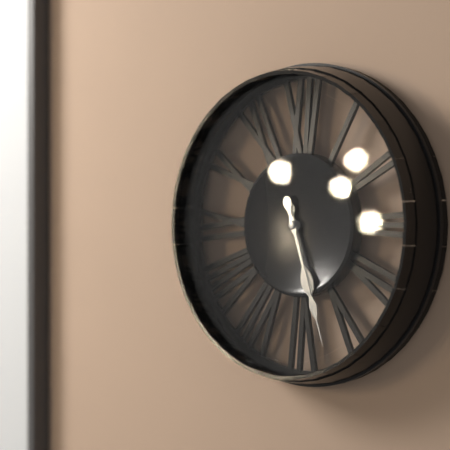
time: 5:27
